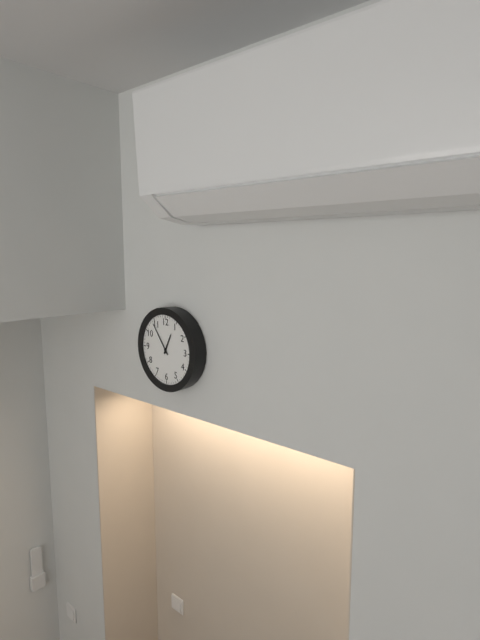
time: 12:54
